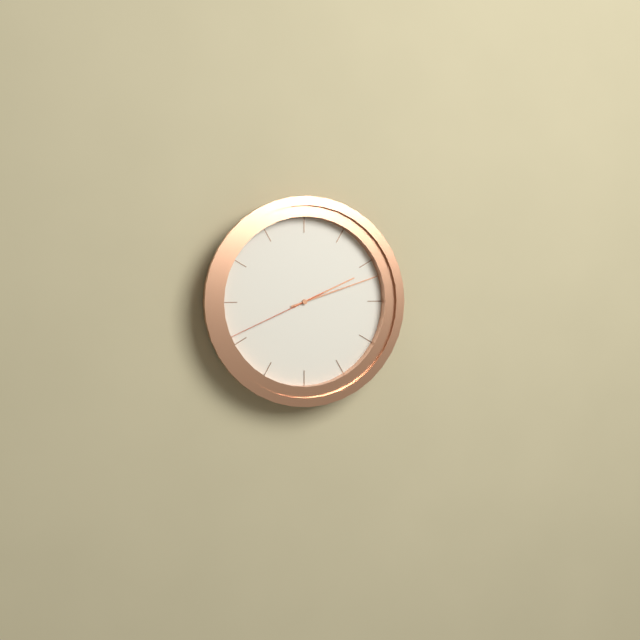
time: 2:12:41
